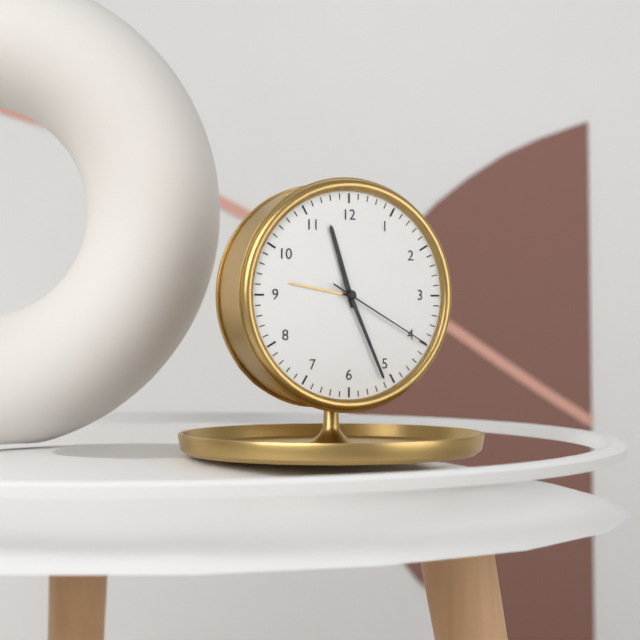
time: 11:26:20
